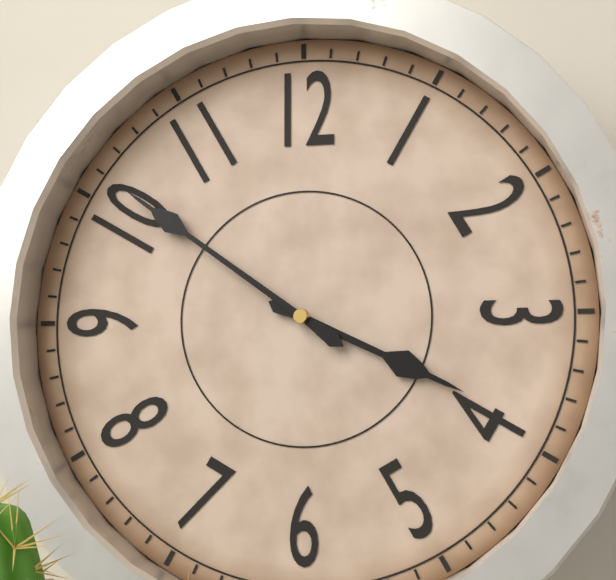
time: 3:51
